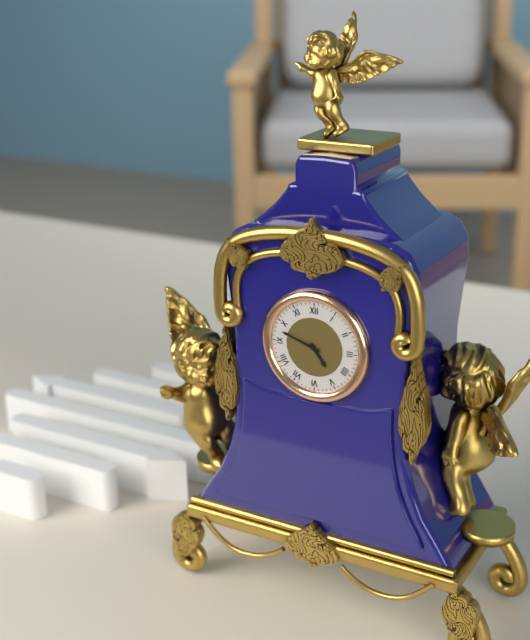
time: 4:48
